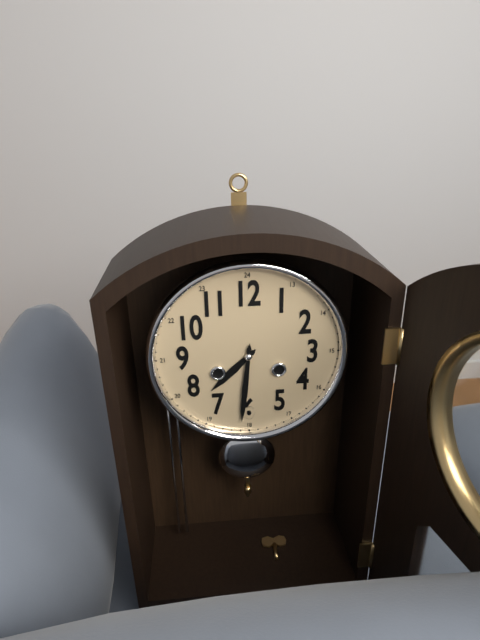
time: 7:31
